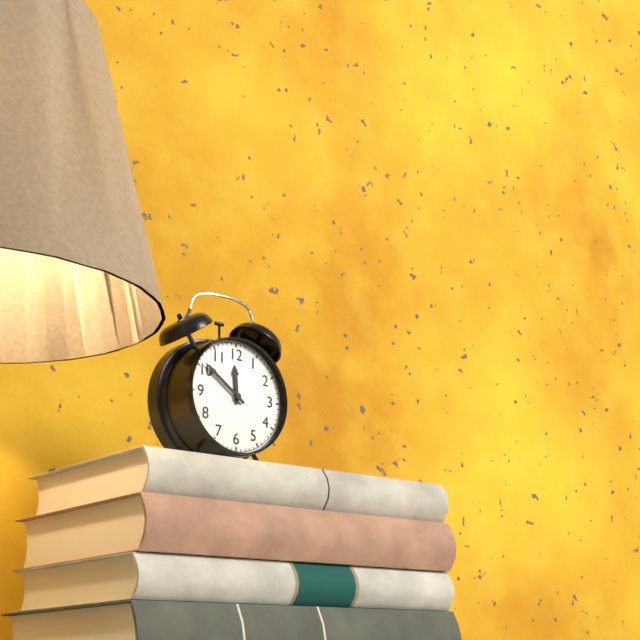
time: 11:51
